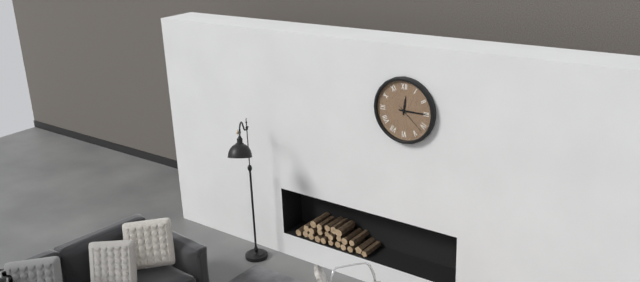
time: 12:15
